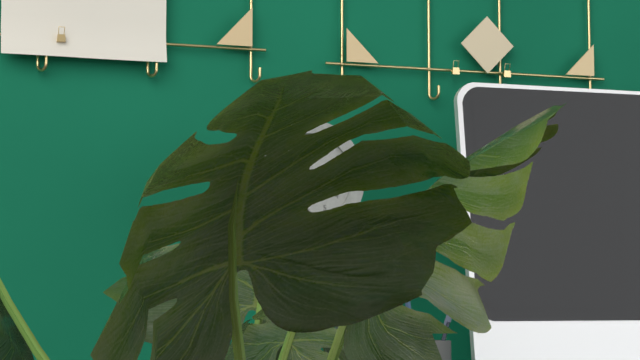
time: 5:51
